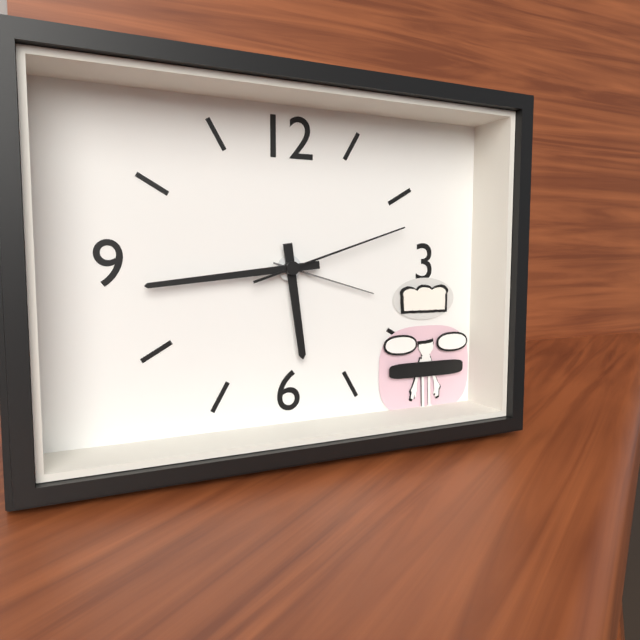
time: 5:44:12
